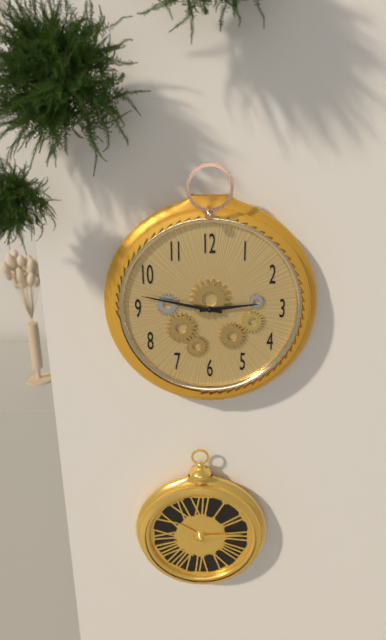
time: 2:47
